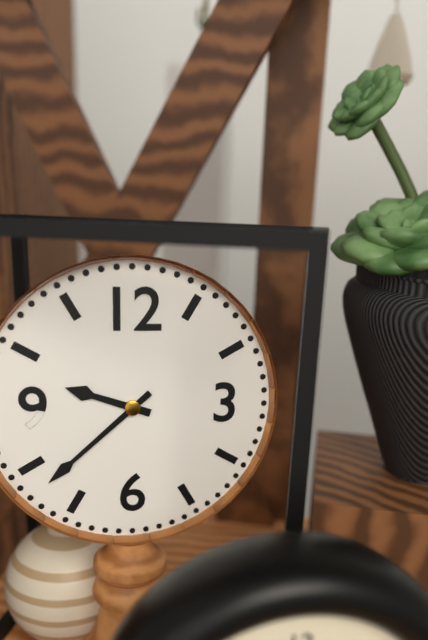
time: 9:38
